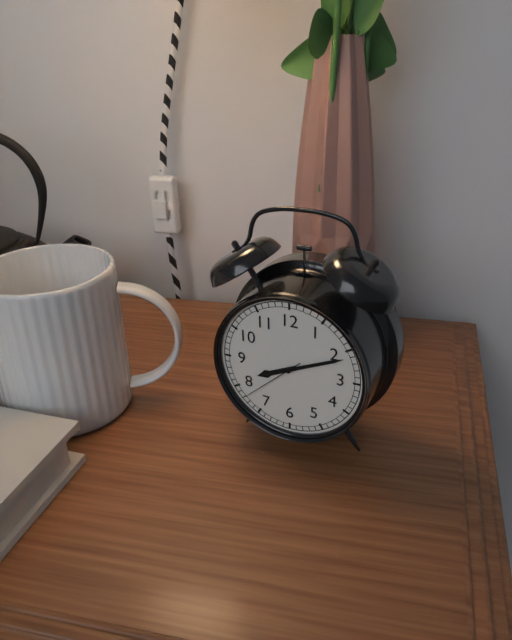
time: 8:11:38
